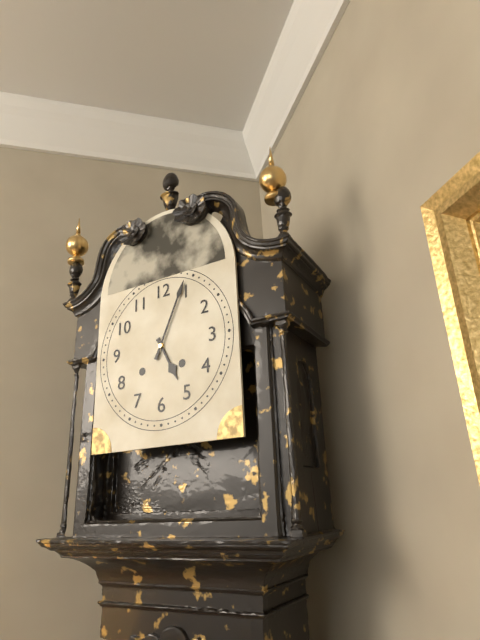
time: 5:04
